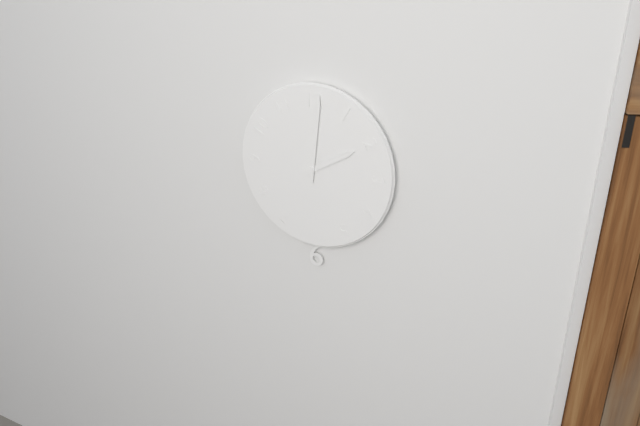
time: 2:01
